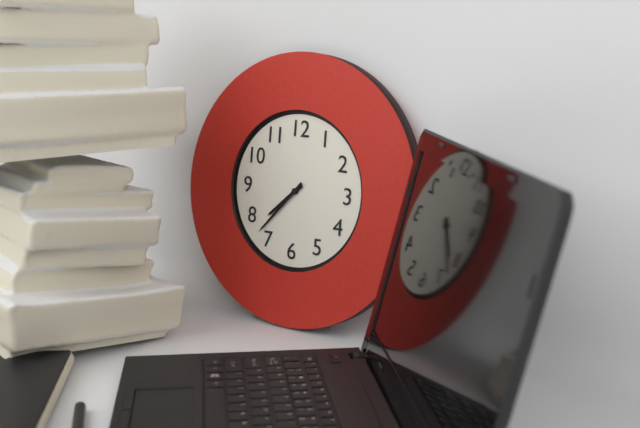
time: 7:37
